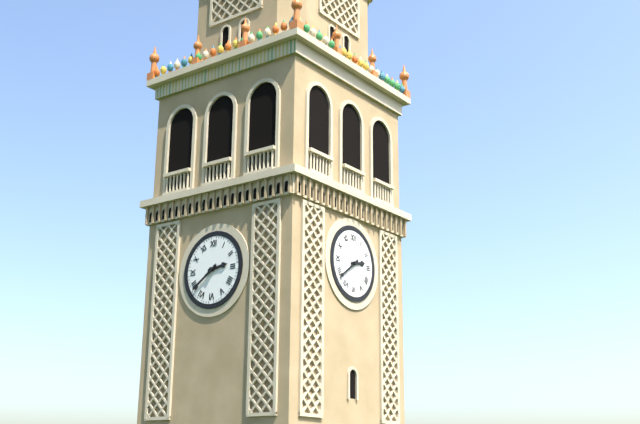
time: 2:39
